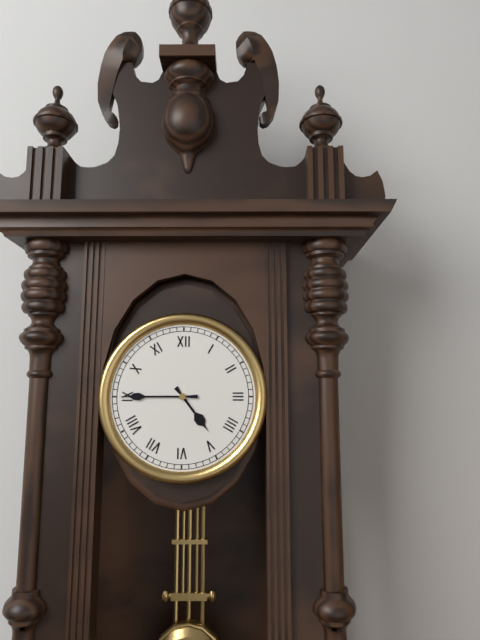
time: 4:45
